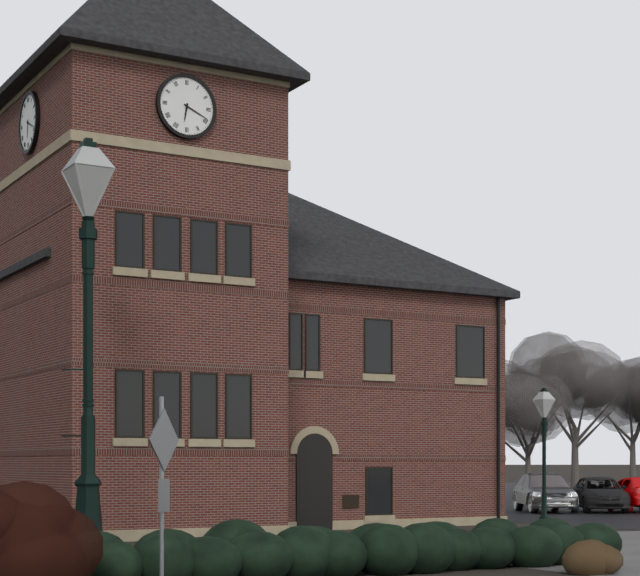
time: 6:19
